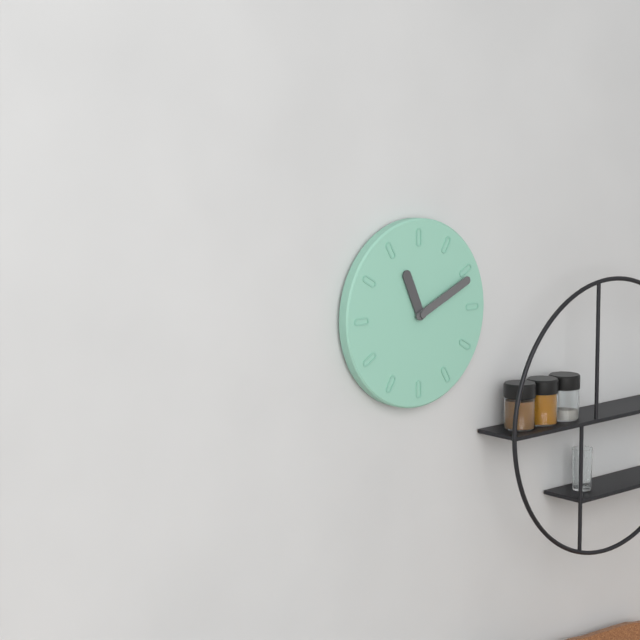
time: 11:11
